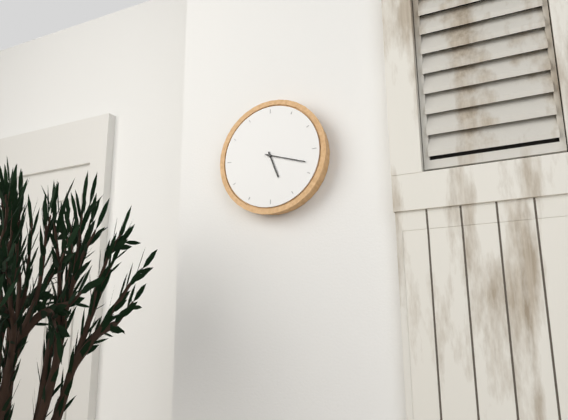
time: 5:18
